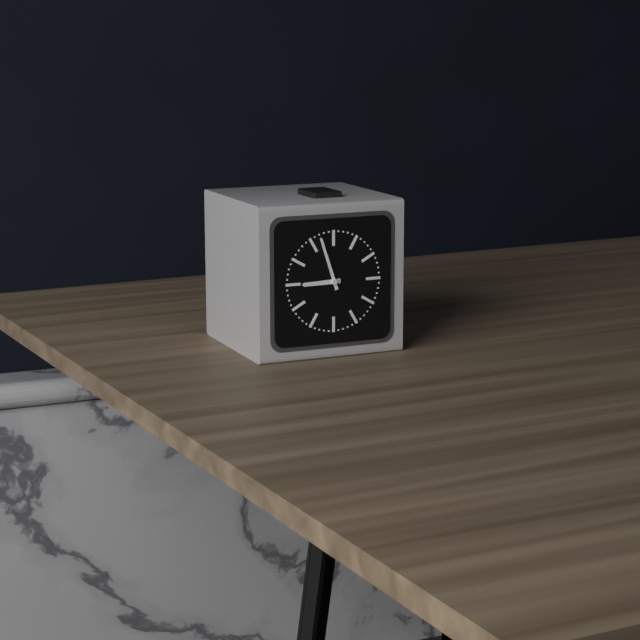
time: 8:57
